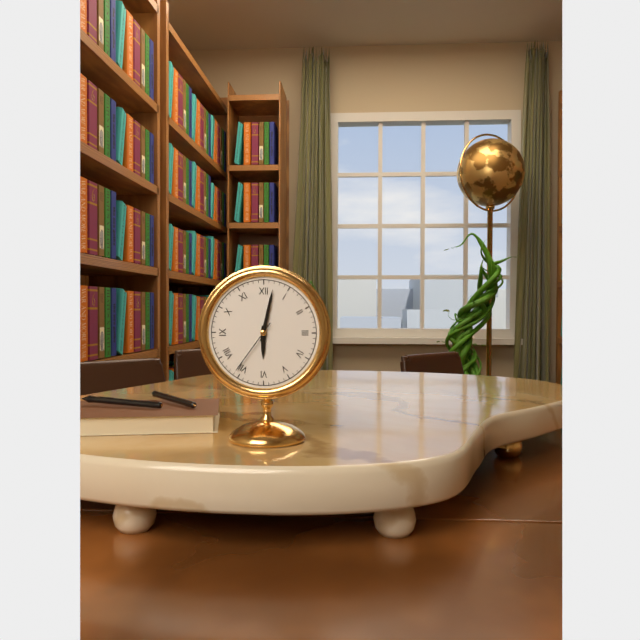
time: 6:02:36
